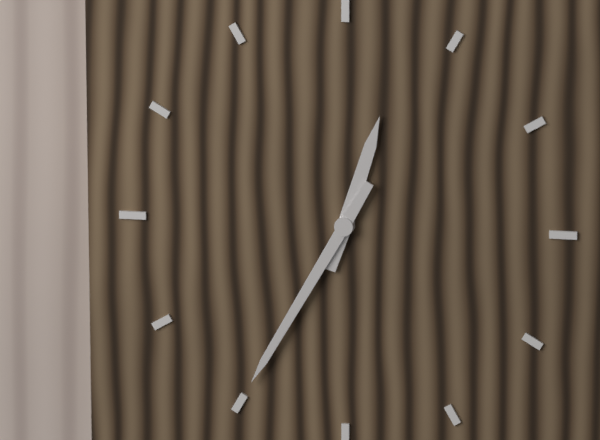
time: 12:35
